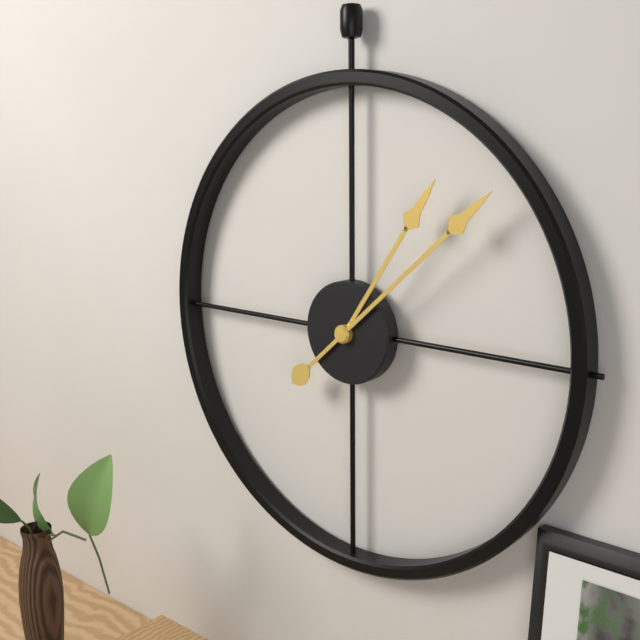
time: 1:08
